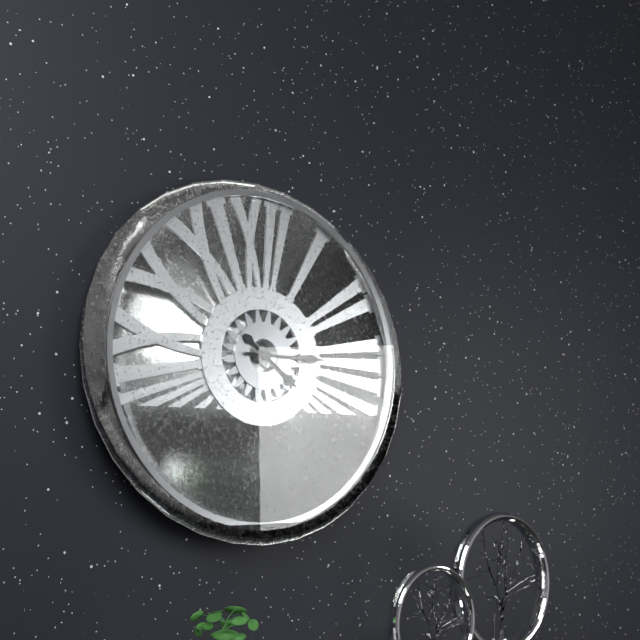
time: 4:15
